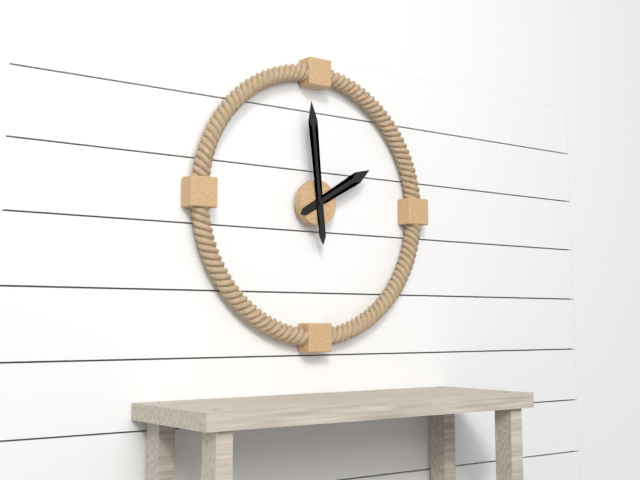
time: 1:59
